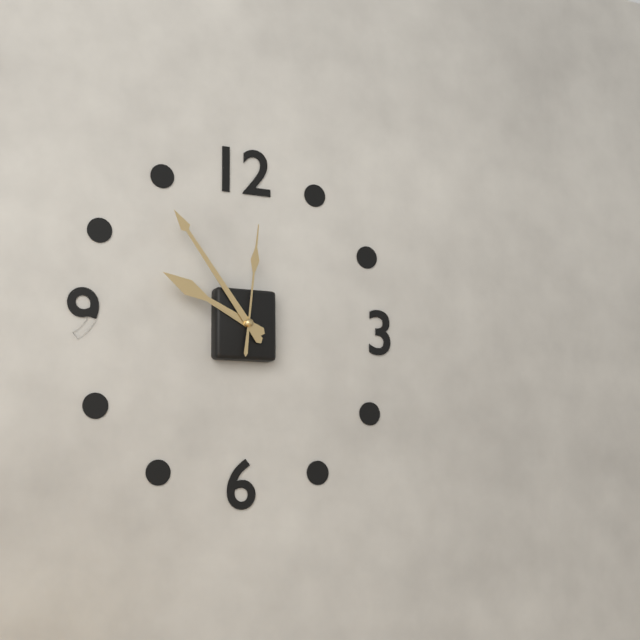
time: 9:54:01
